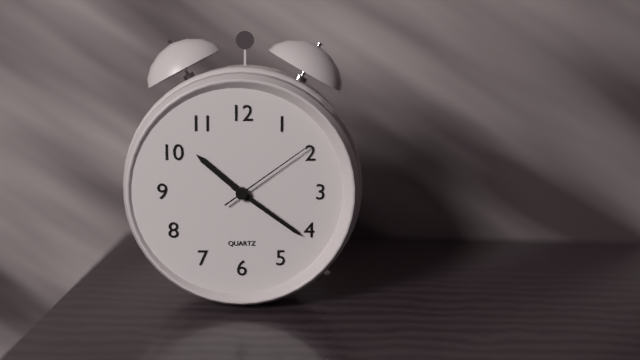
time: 10:21:09
